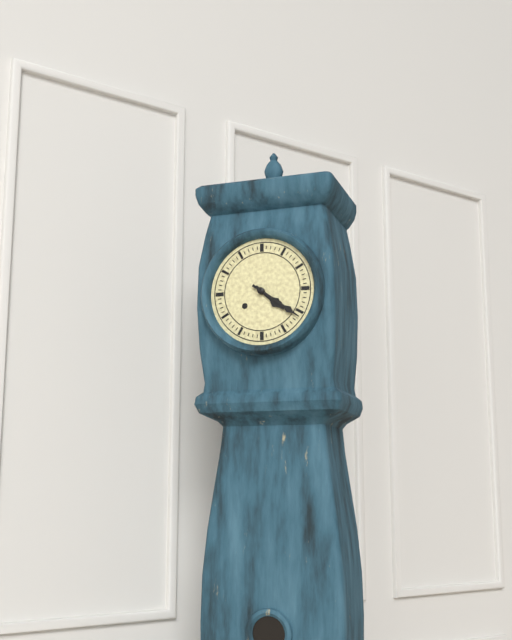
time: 4:21
